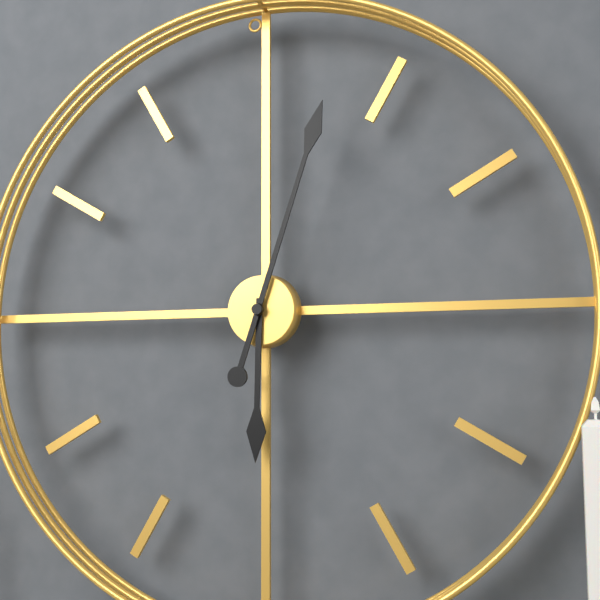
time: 6:03
